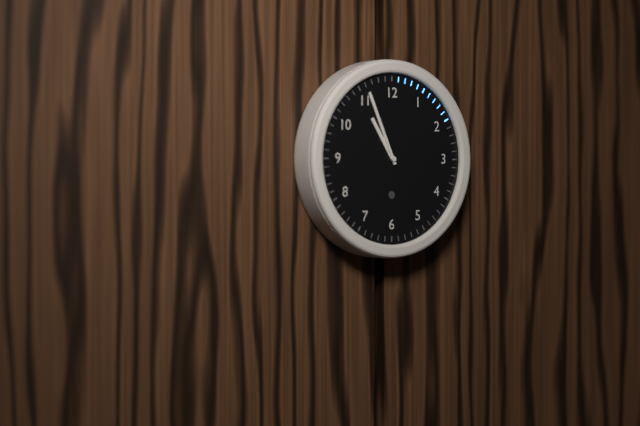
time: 10:56
